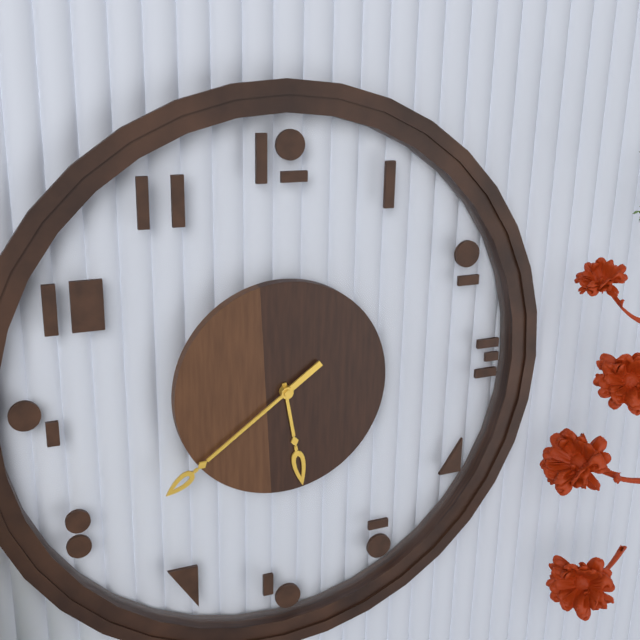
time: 5:39
